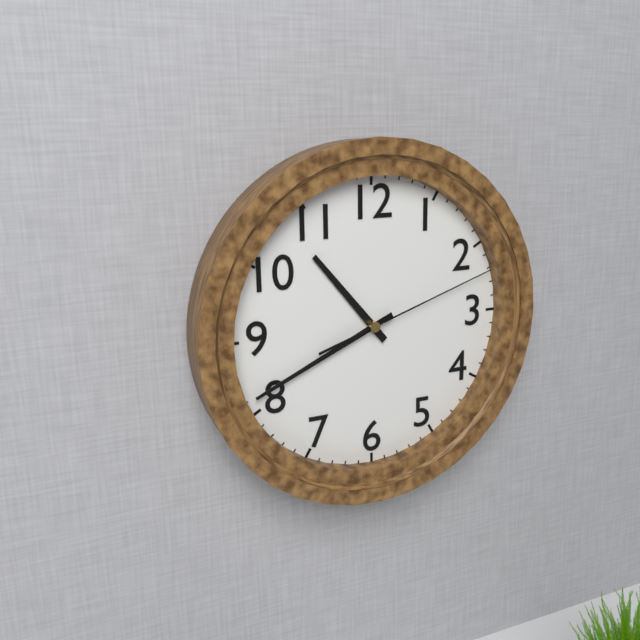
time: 10:41:12
